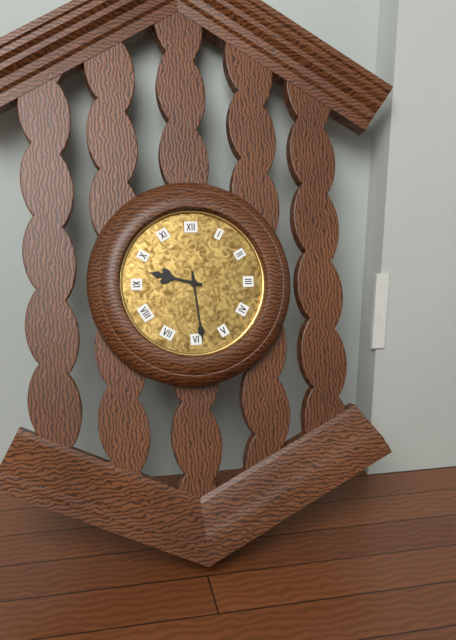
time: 9:29
